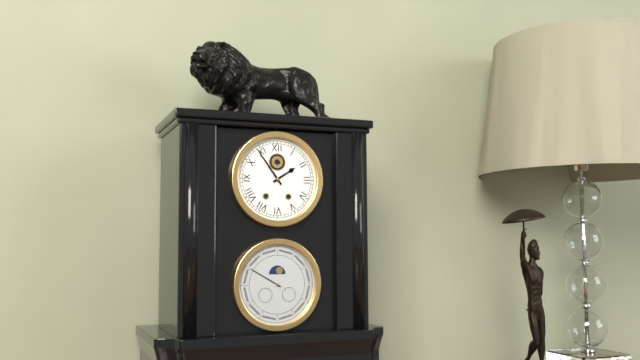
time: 1:54
